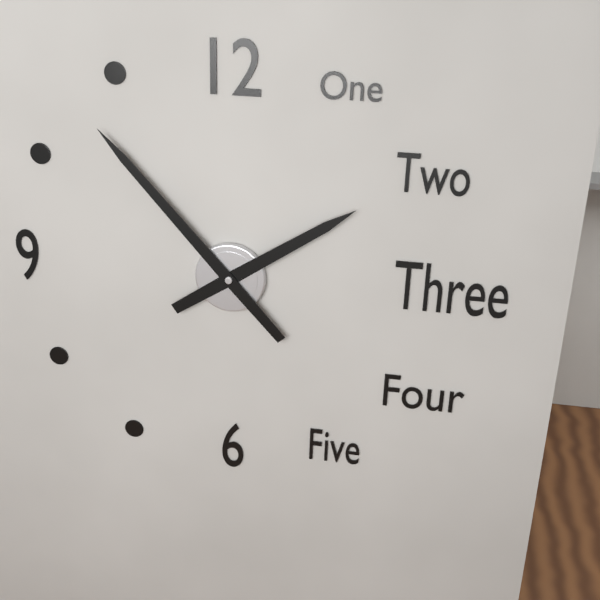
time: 1:53
